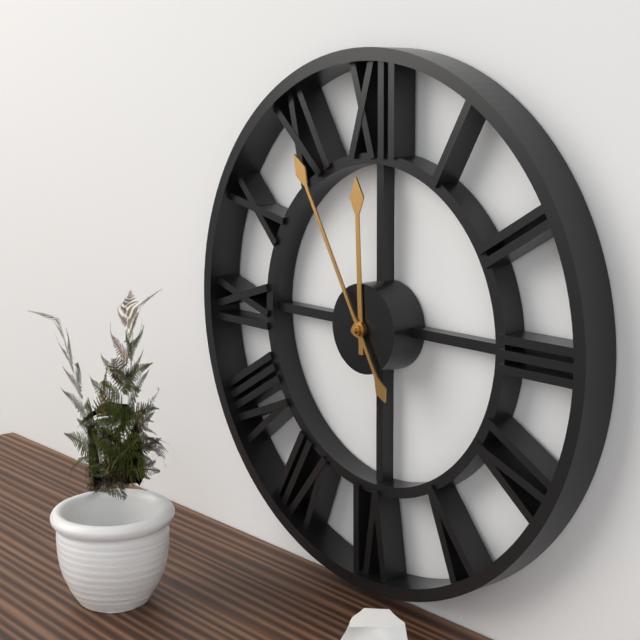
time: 11:55
